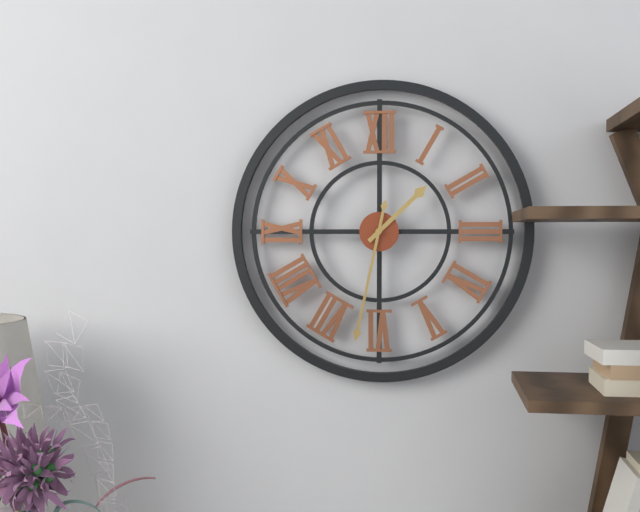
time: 1:32
